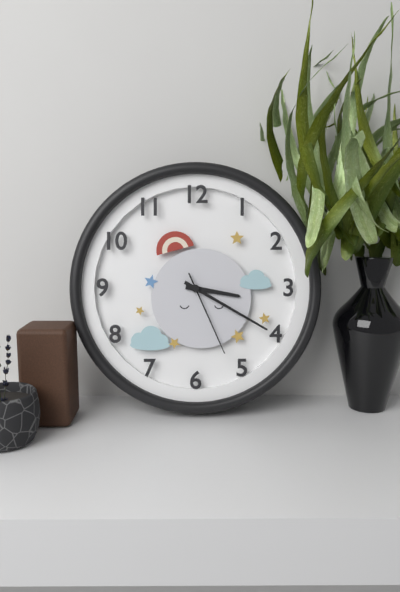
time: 3:20:26
